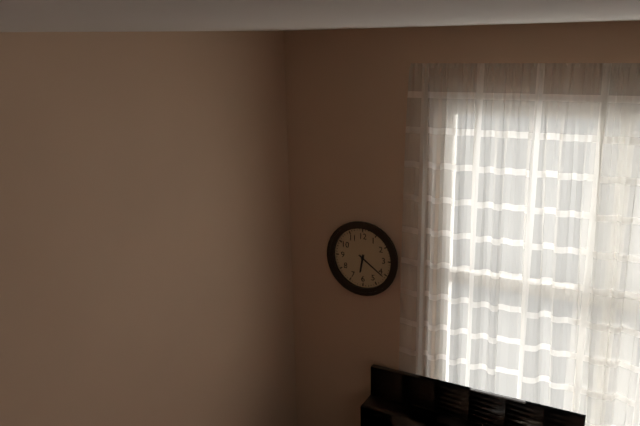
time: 6:21
